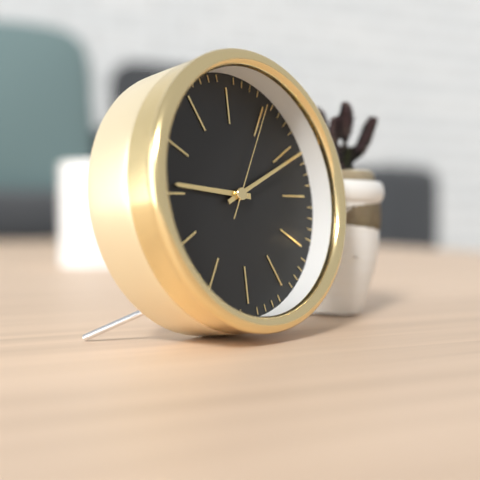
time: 9:11:05
